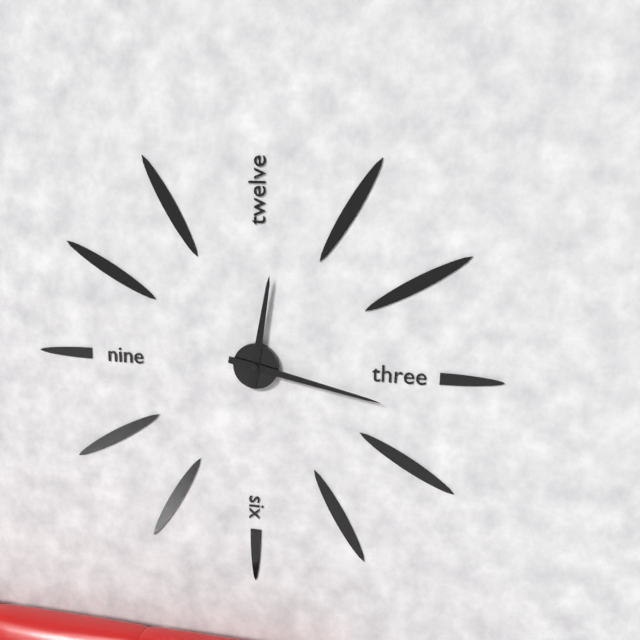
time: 12:17
